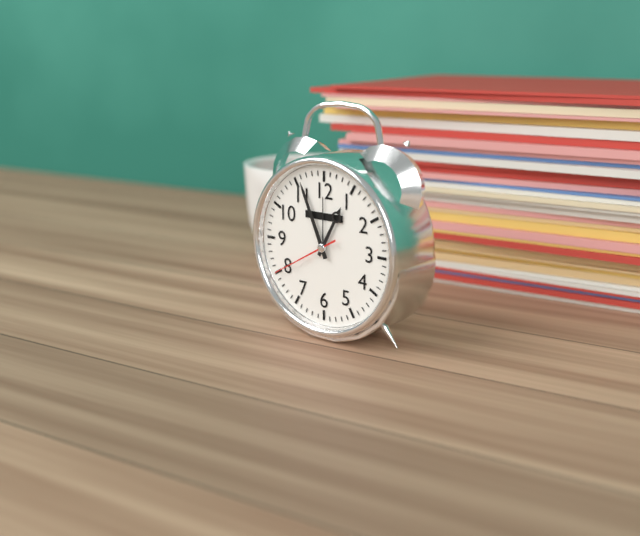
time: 12:56:40
